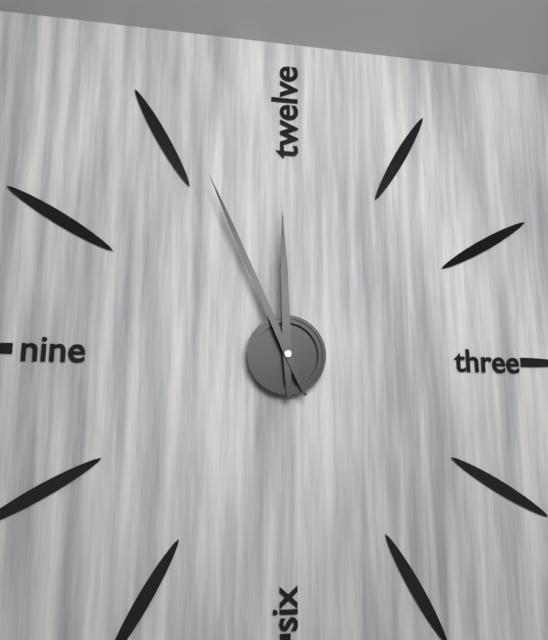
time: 11:56
